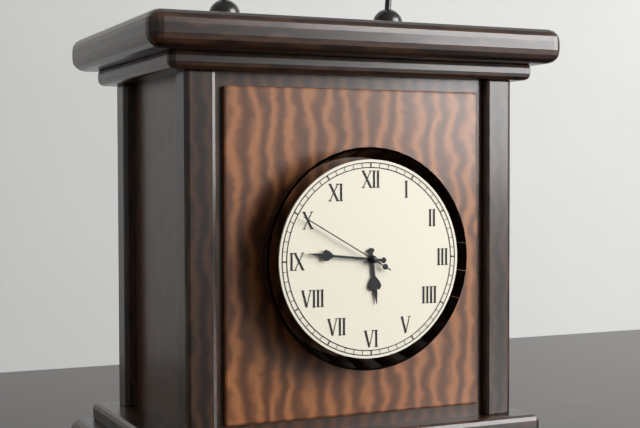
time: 5:46:50
